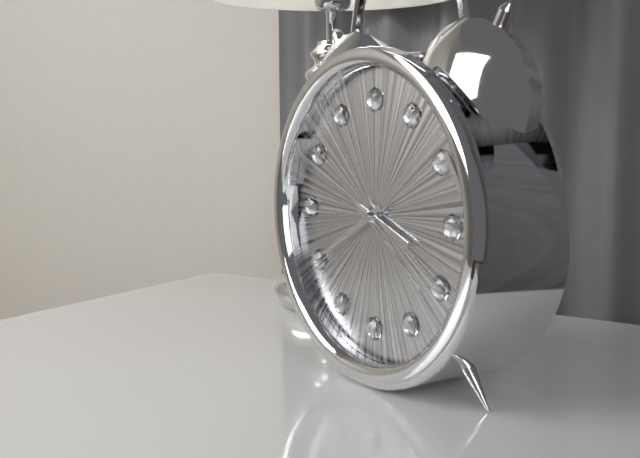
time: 3:40:21
